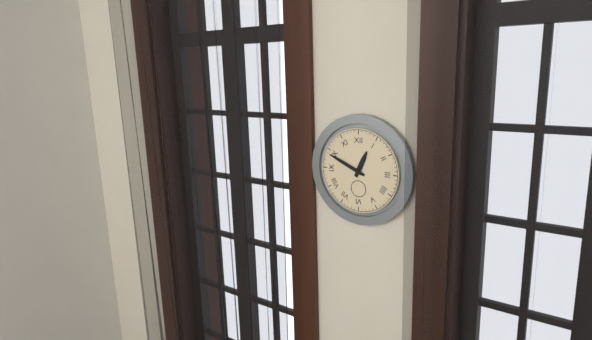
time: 12:49
